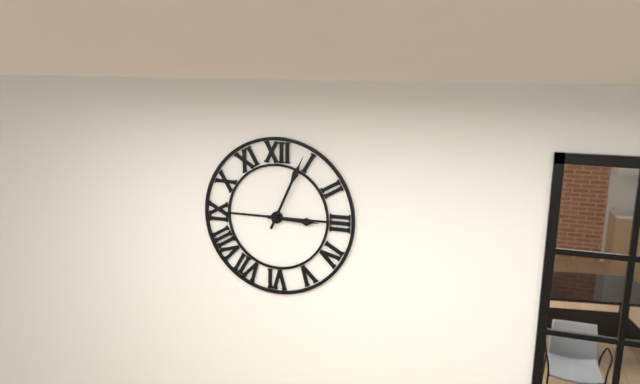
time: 3:04
